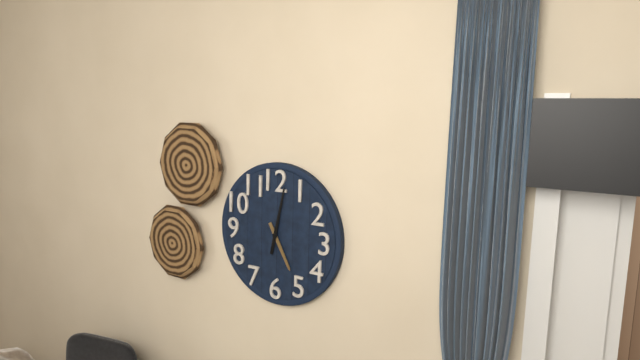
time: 5:02
